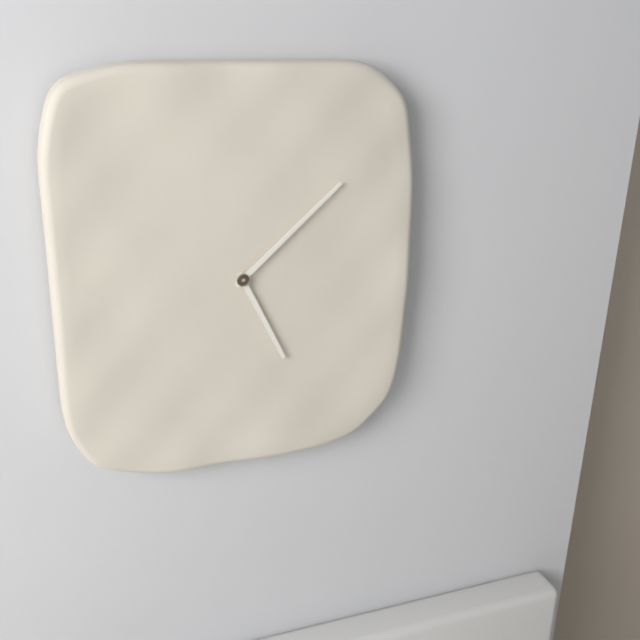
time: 5:08
